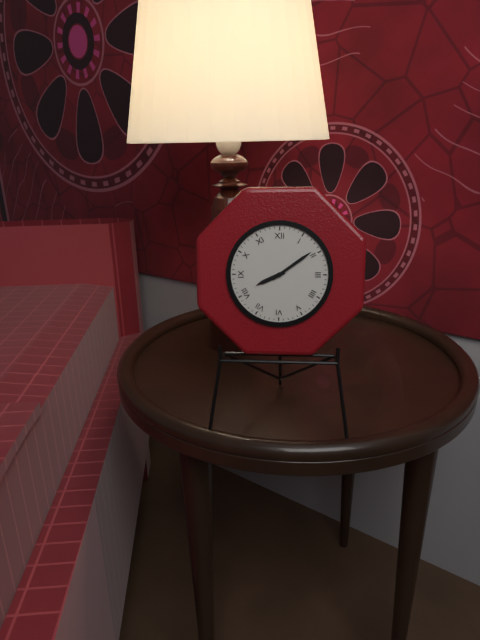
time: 8:09
